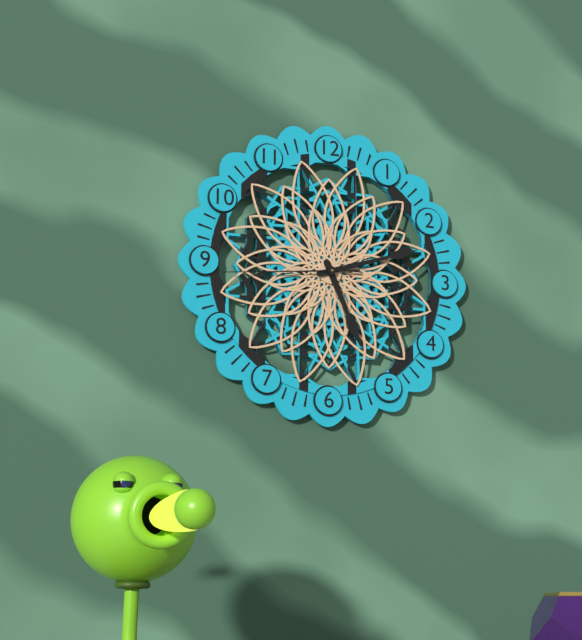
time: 5:12:44
